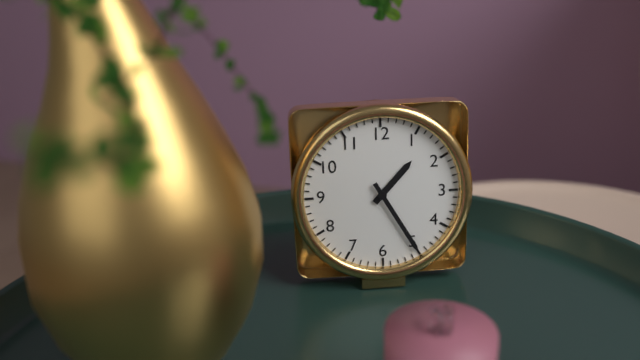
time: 1:25
